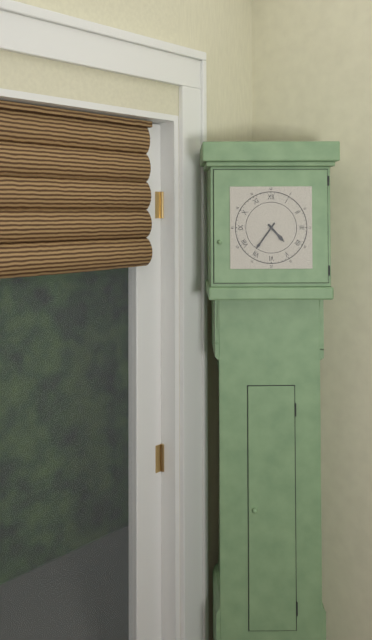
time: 4:36
